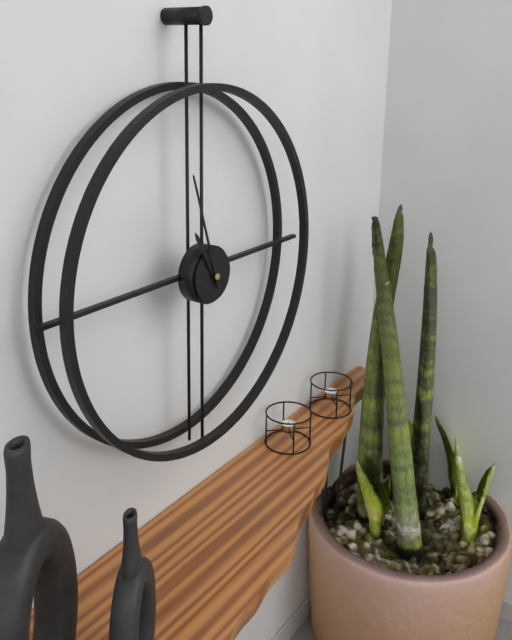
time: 10:57
